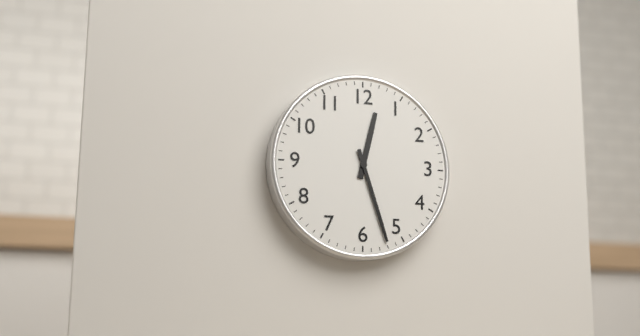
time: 12:27
